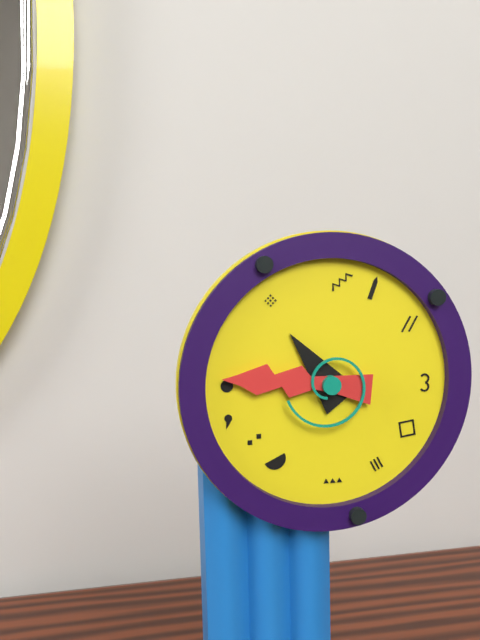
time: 10:46
